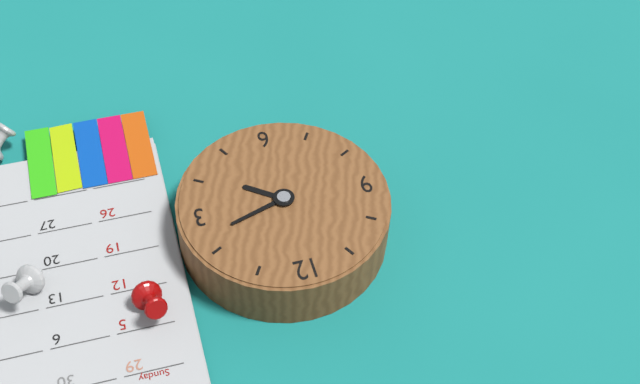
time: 4:12
